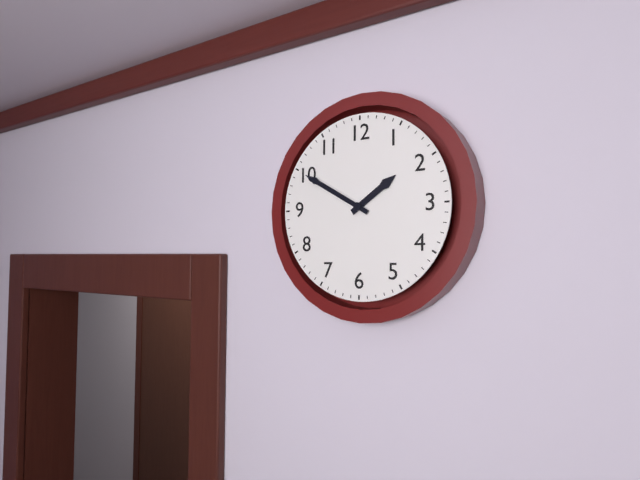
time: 1:50
